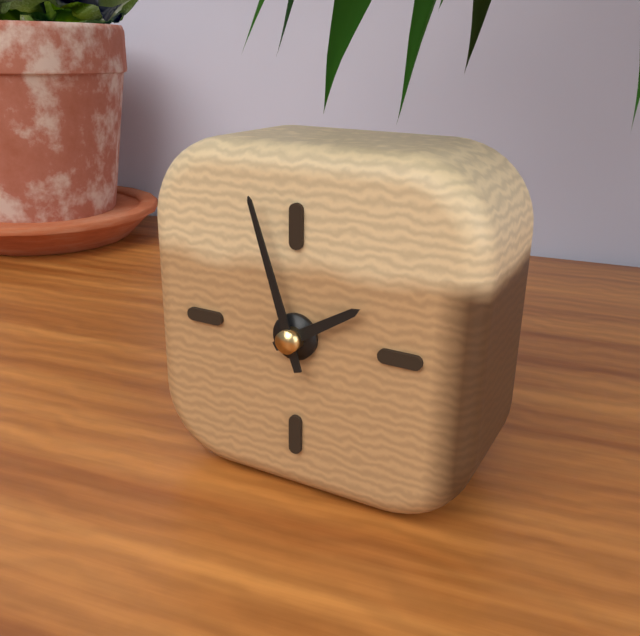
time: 1:57
